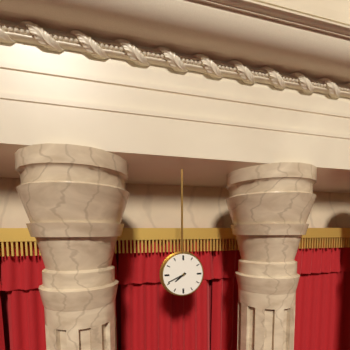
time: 7:41
